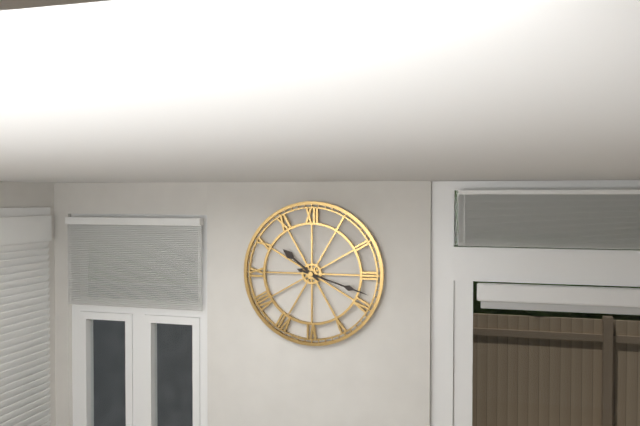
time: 10:18
